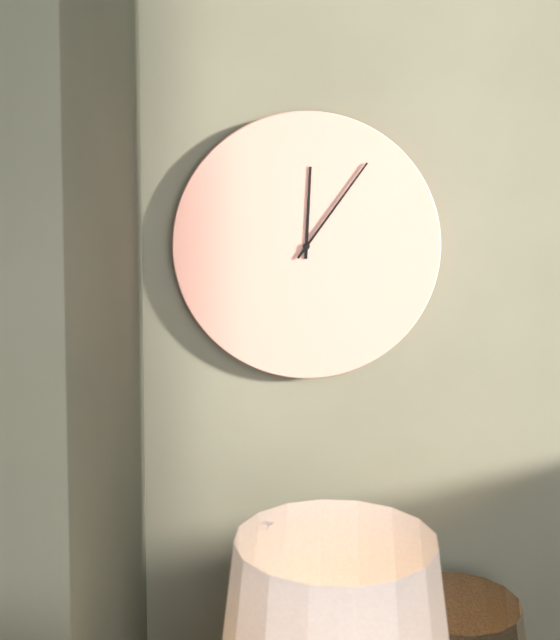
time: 12:06
